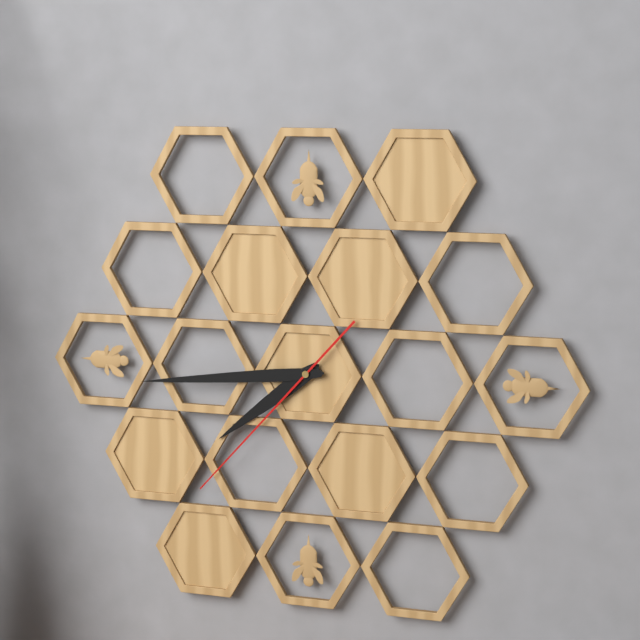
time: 7:44:37
